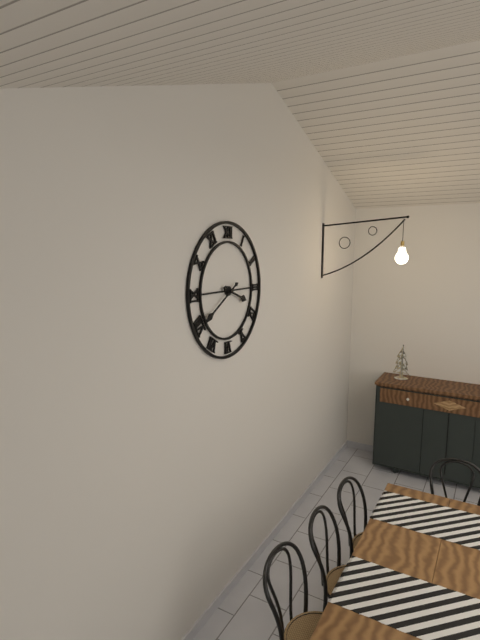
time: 3:40
